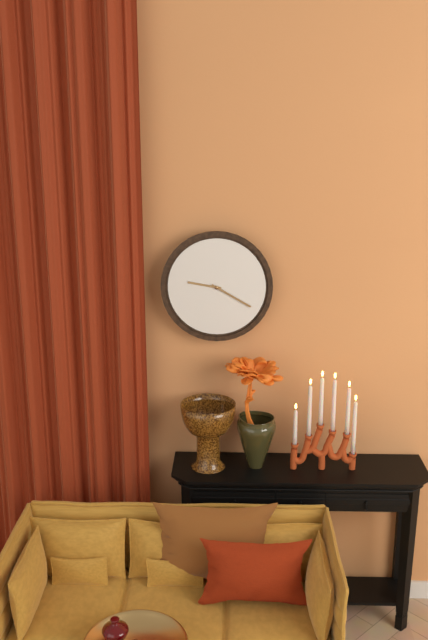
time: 9:20
